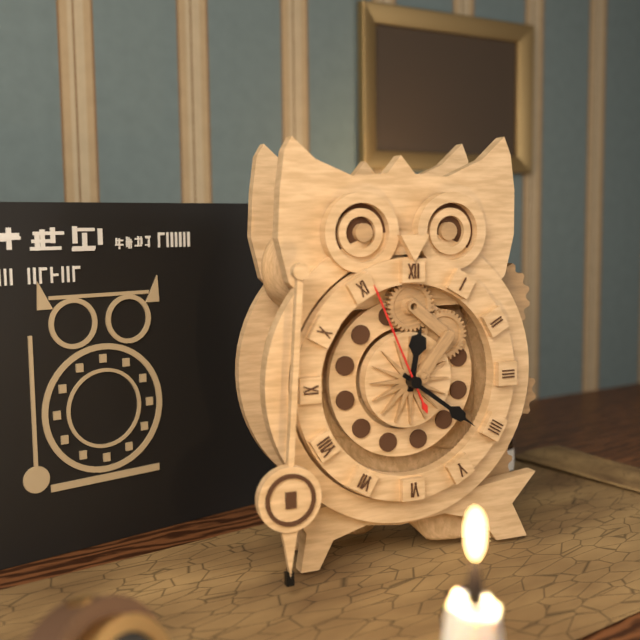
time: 12:21:56
